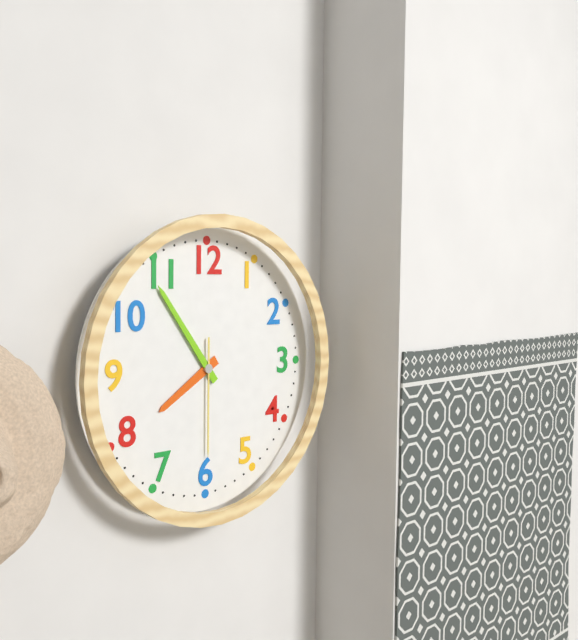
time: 7:54:30
